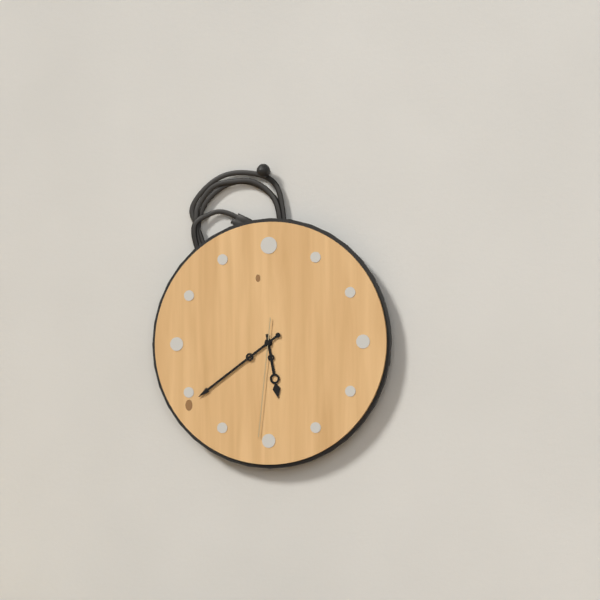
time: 5:39:31
